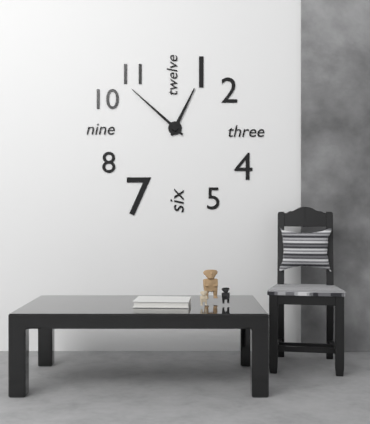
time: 12:52
